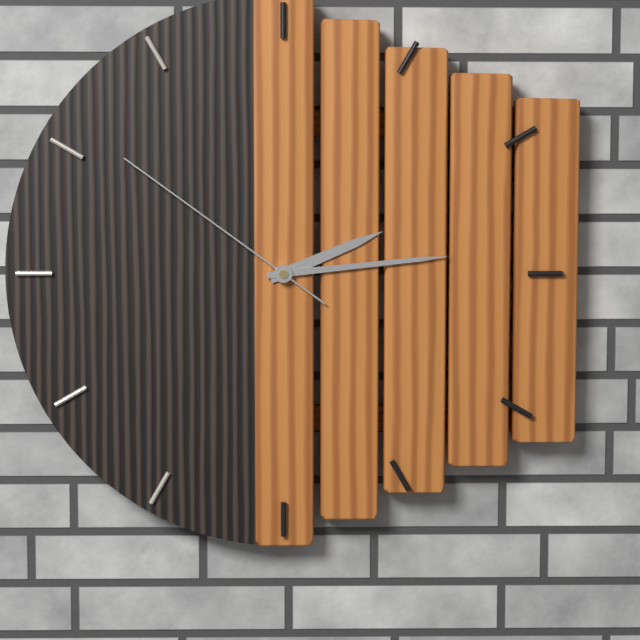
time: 2:14:51
